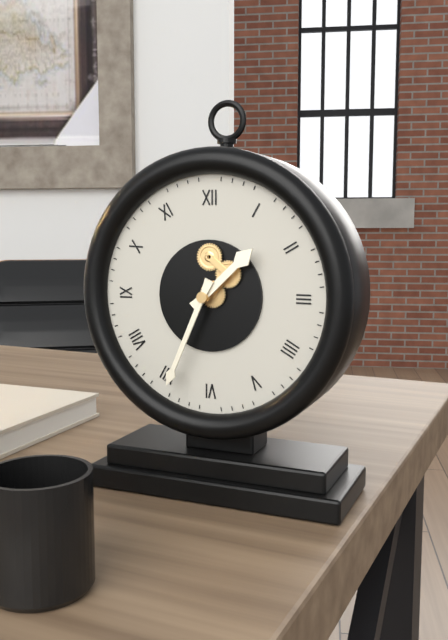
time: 1:34
